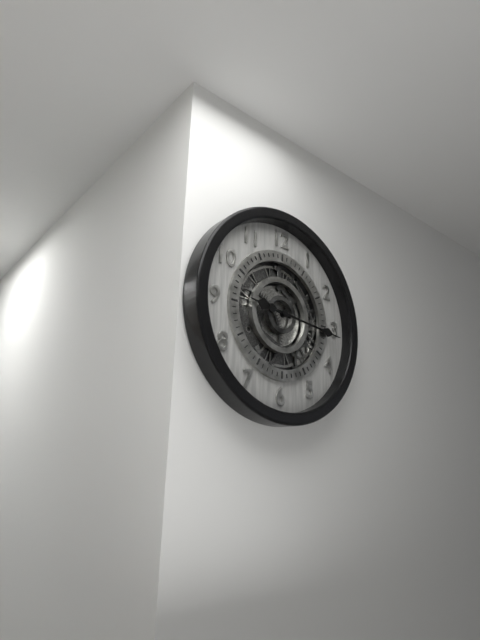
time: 9:16
